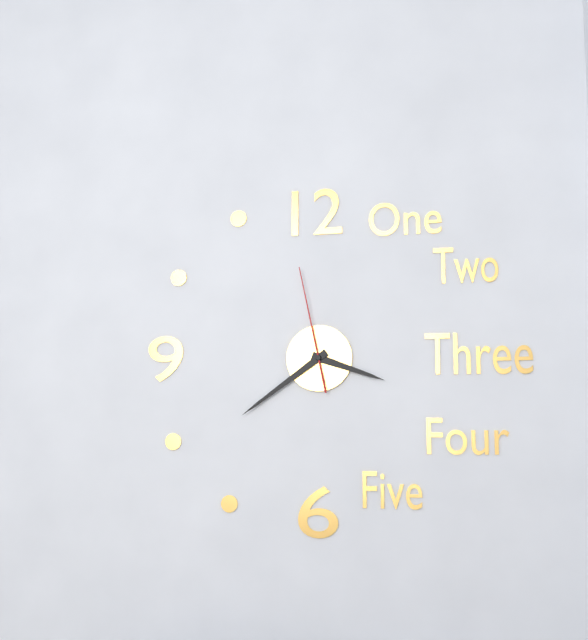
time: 3:39:58
